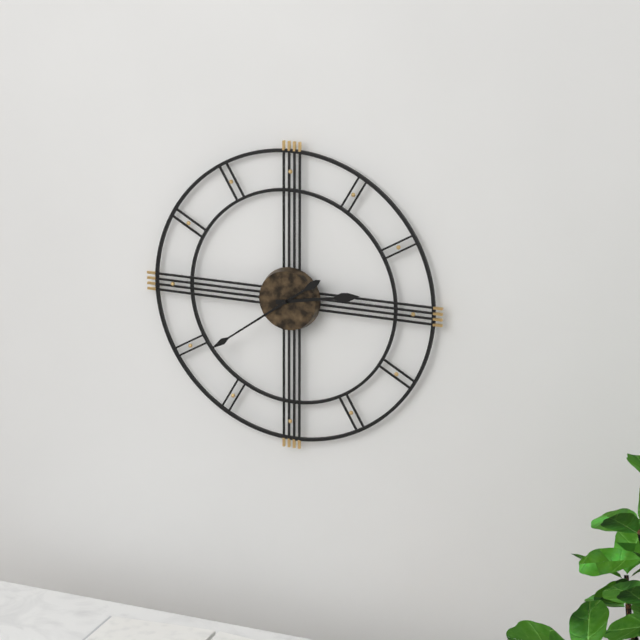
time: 2:39
